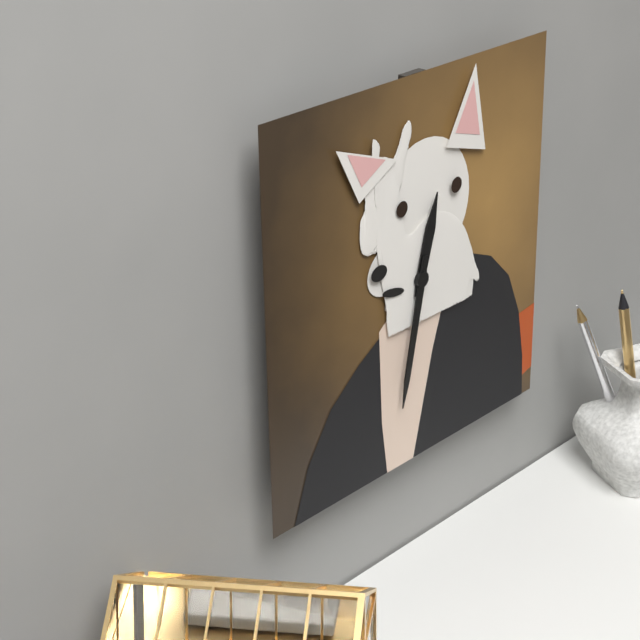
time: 12:32
